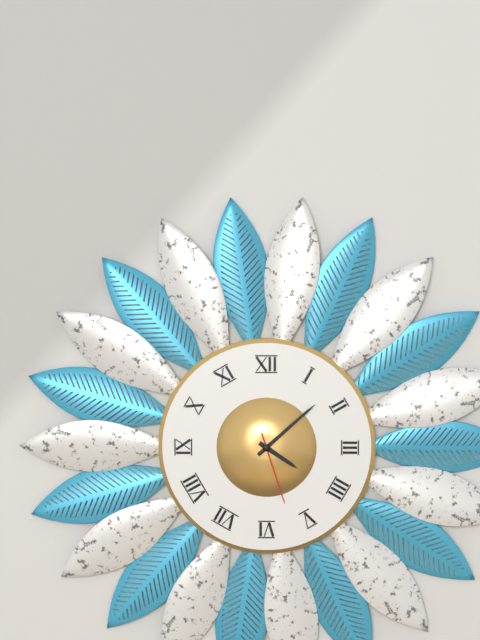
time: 4:08:27
